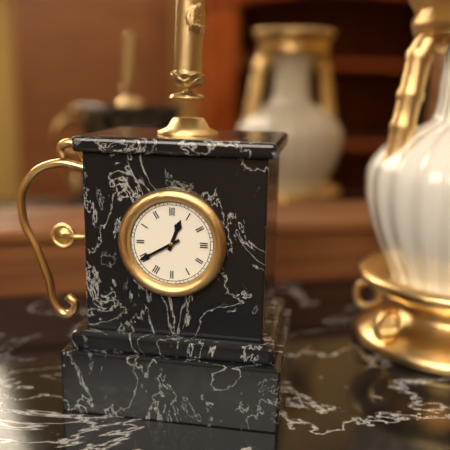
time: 12:40
